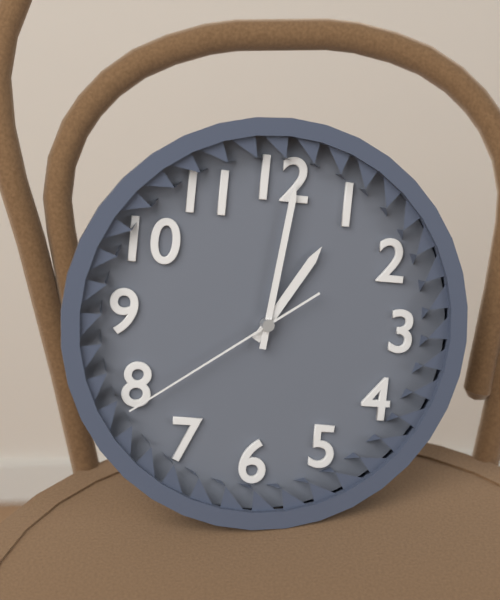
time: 1:01:39
